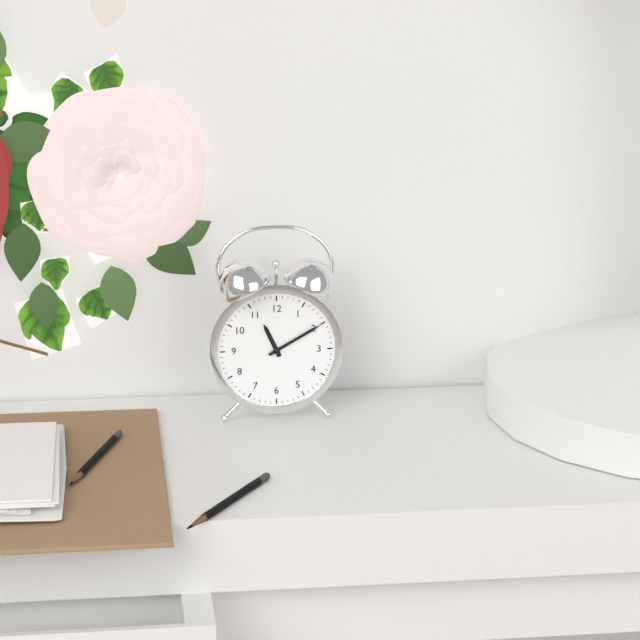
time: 11:10
